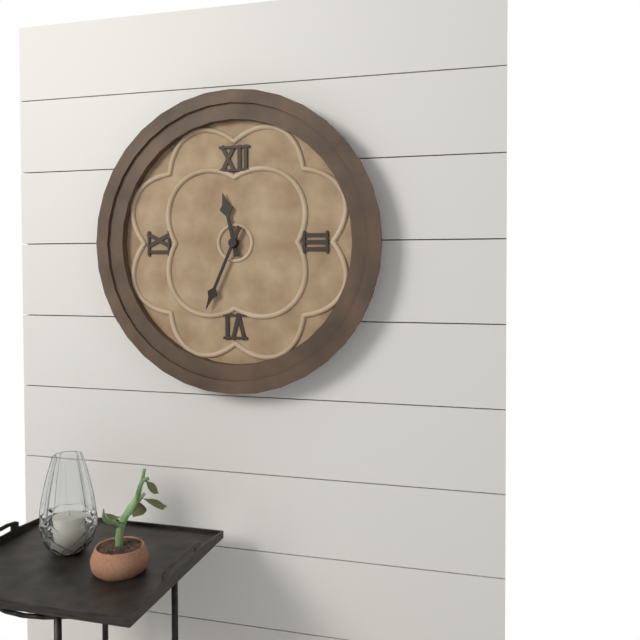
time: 11:34
